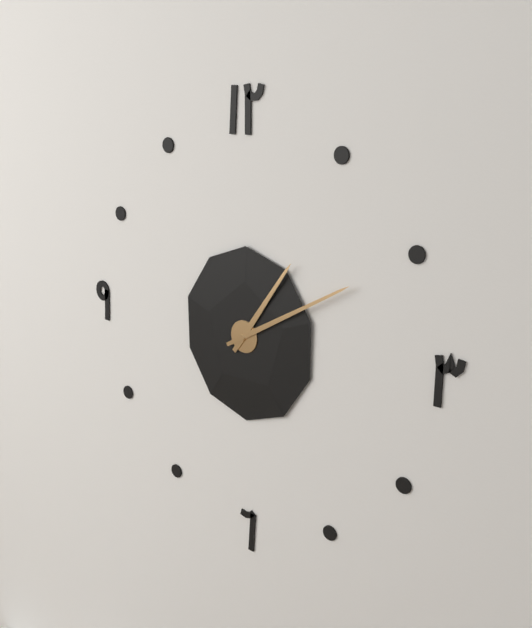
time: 1:10
